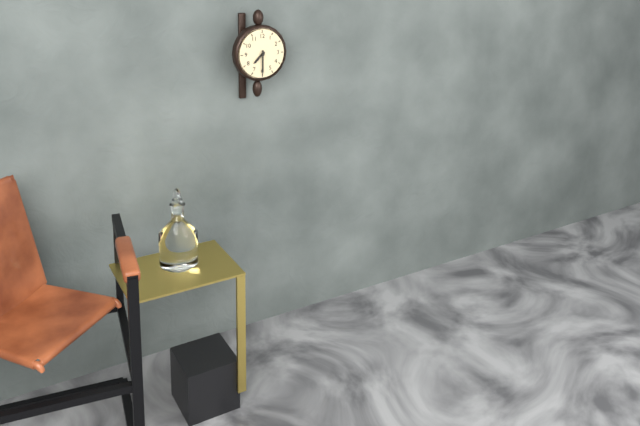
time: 7:30
